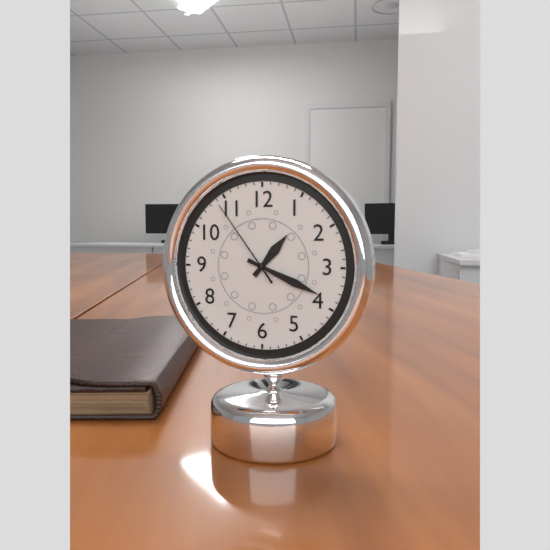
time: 1:19:54
